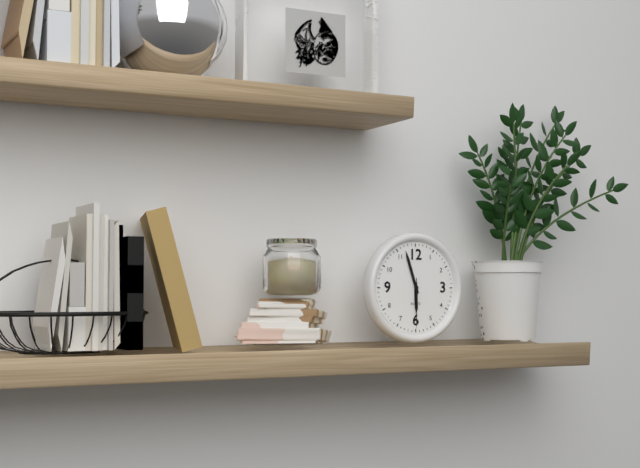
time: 5:57:30
